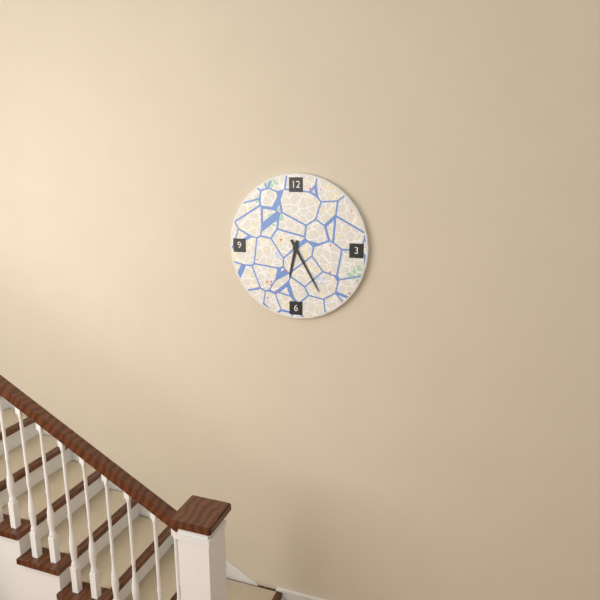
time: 6:25
